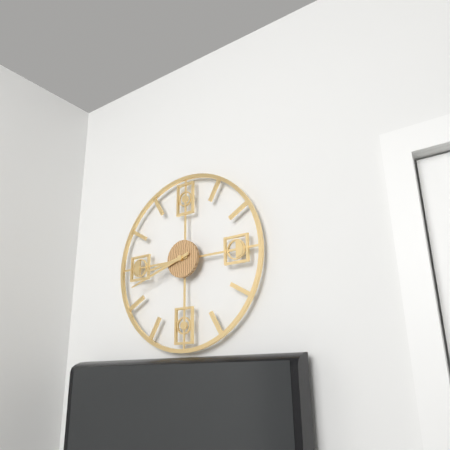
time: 8:42
